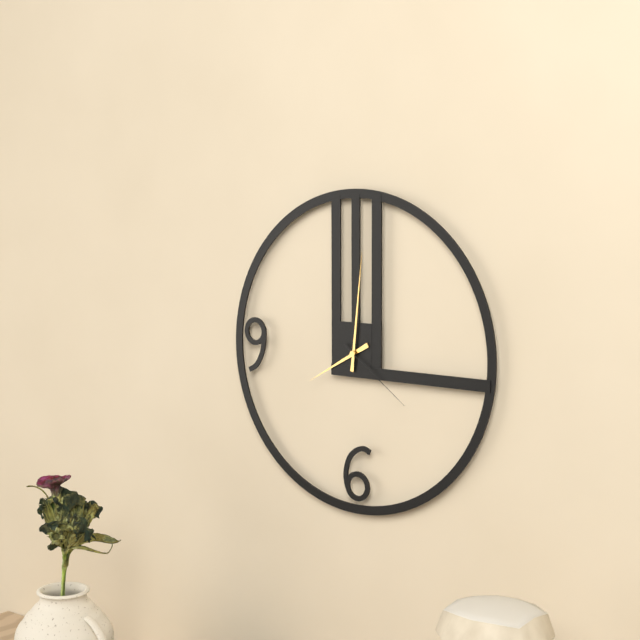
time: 8:01:21
